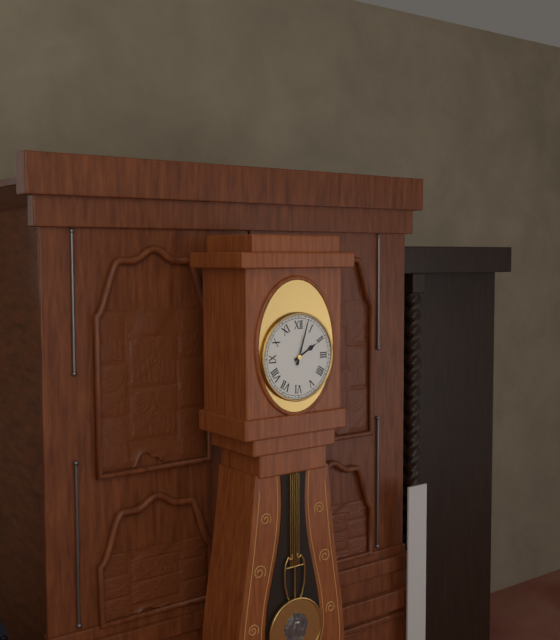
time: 2:03
